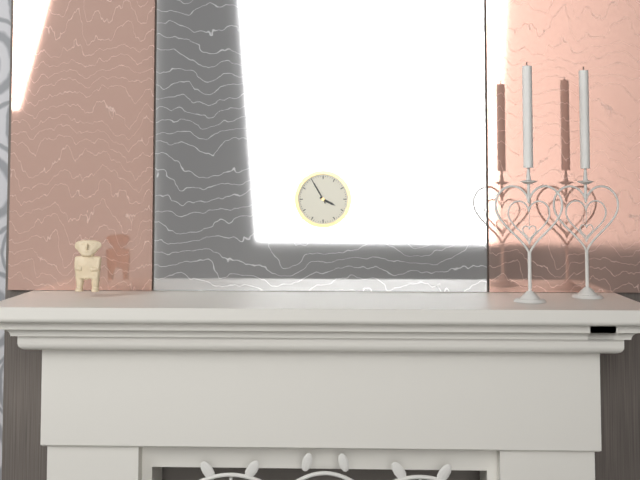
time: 3:55
